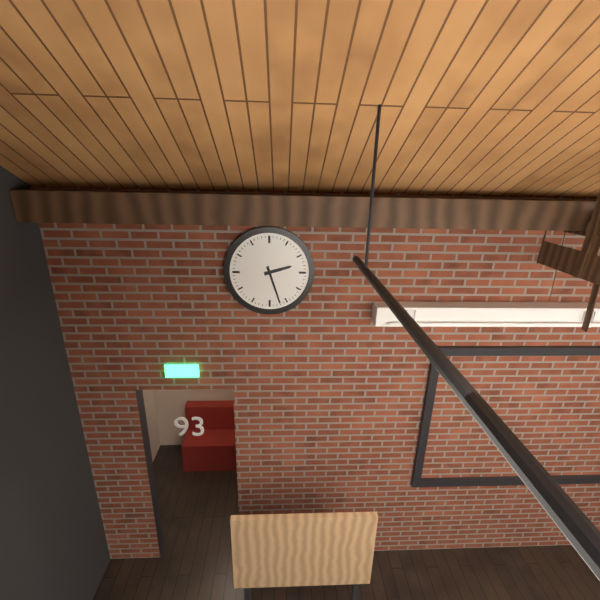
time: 2:27
